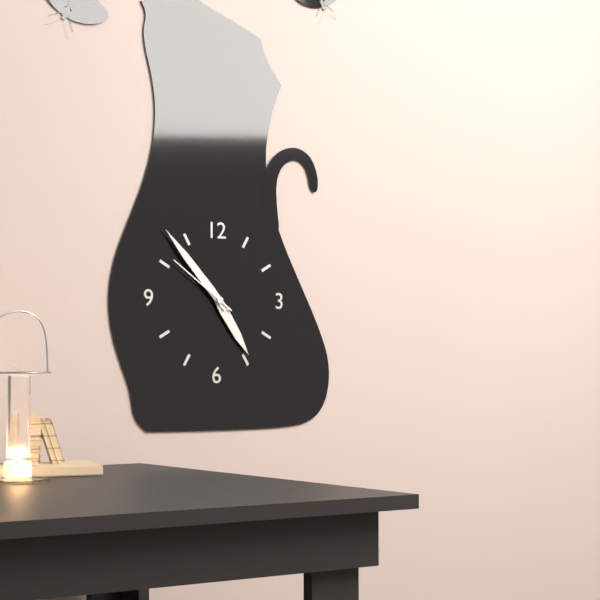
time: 4:53:51
